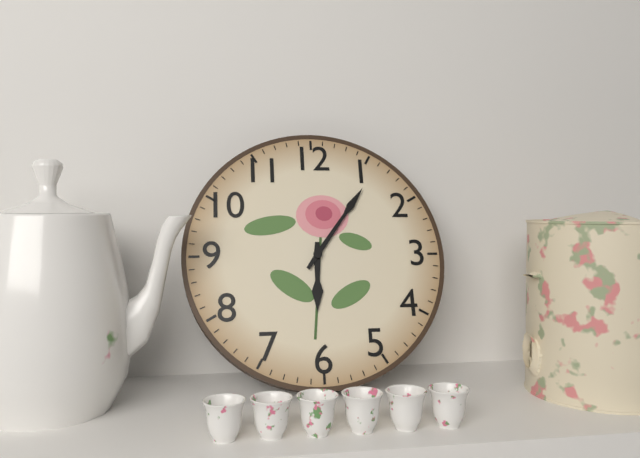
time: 6:06
